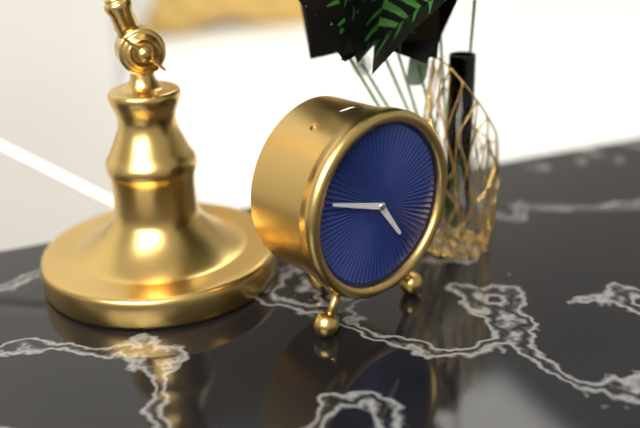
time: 4:48
